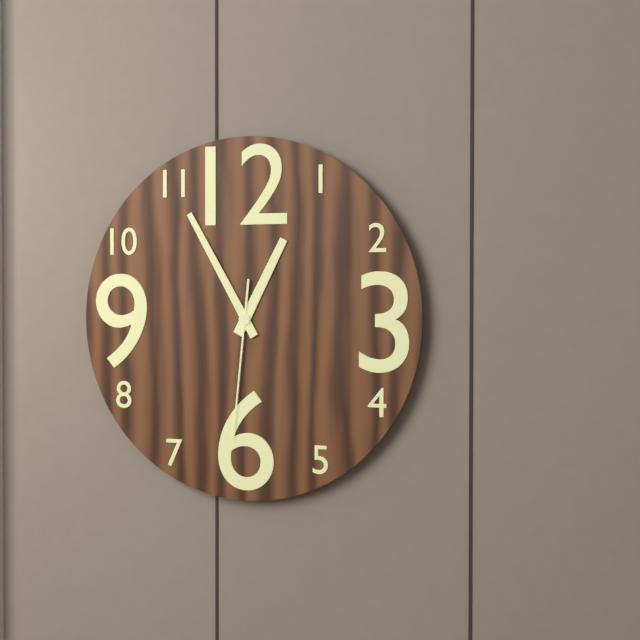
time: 12:55:31
